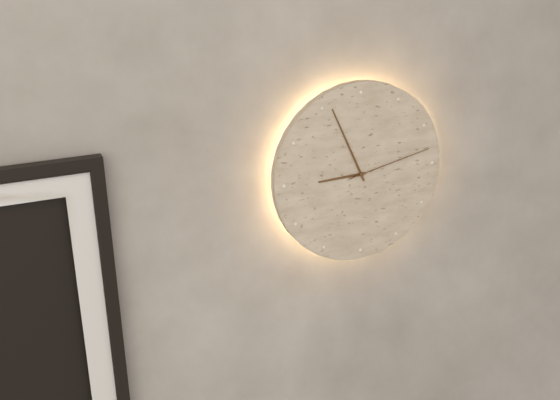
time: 8:56:13
